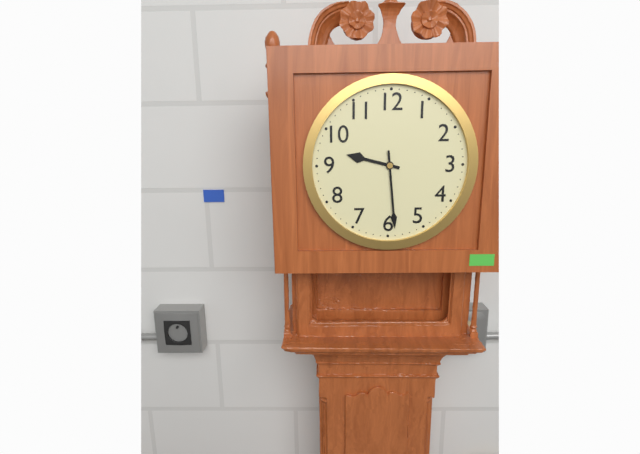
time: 9:29
